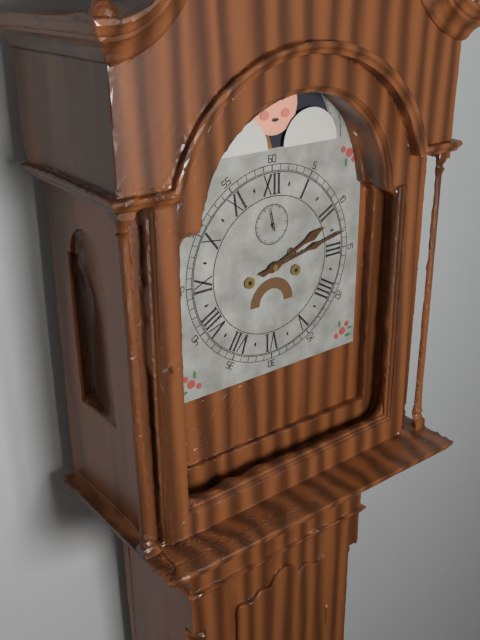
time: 2:13
